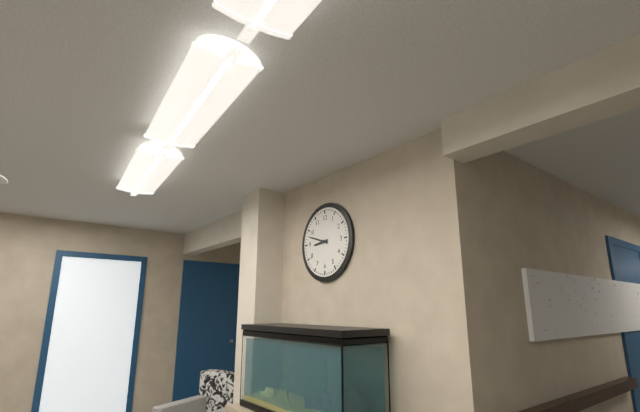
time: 8:48
